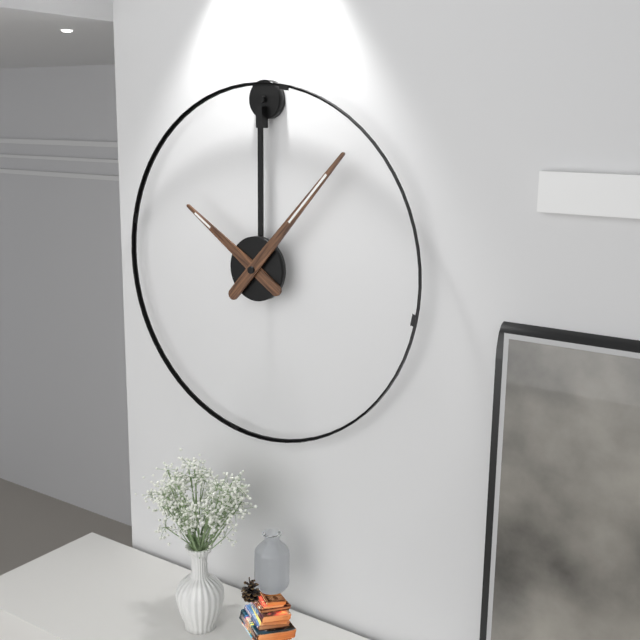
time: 10:07
